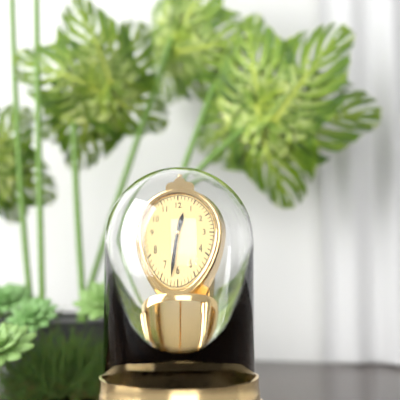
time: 12:32
